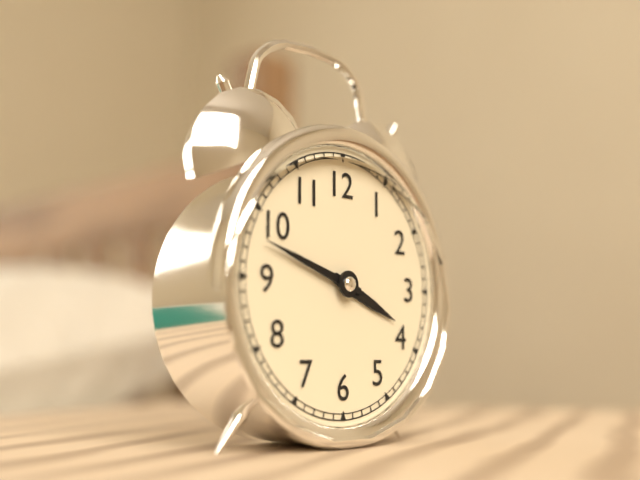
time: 3:48
